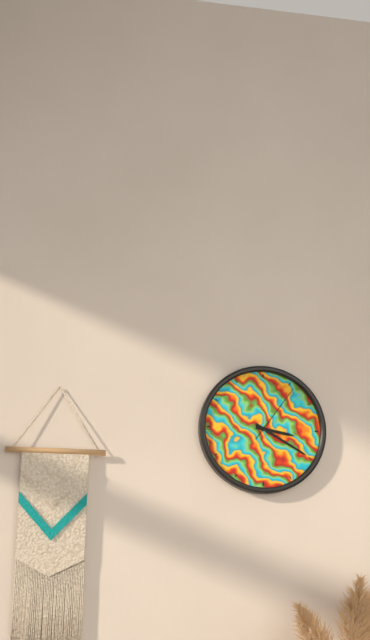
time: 3:20:06
